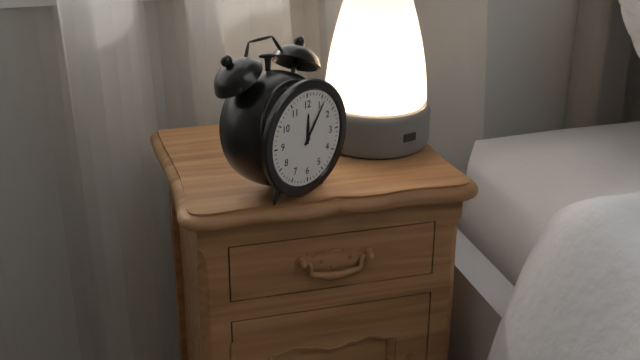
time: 12:06
